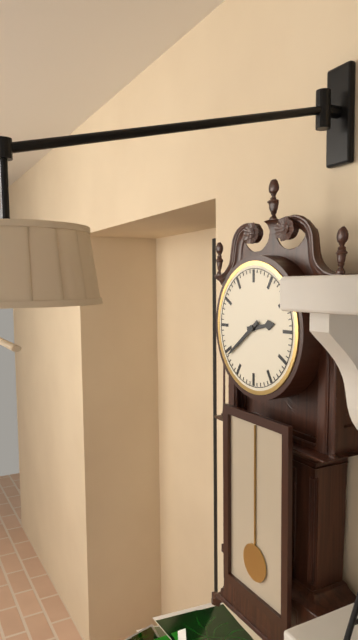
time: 2:39
